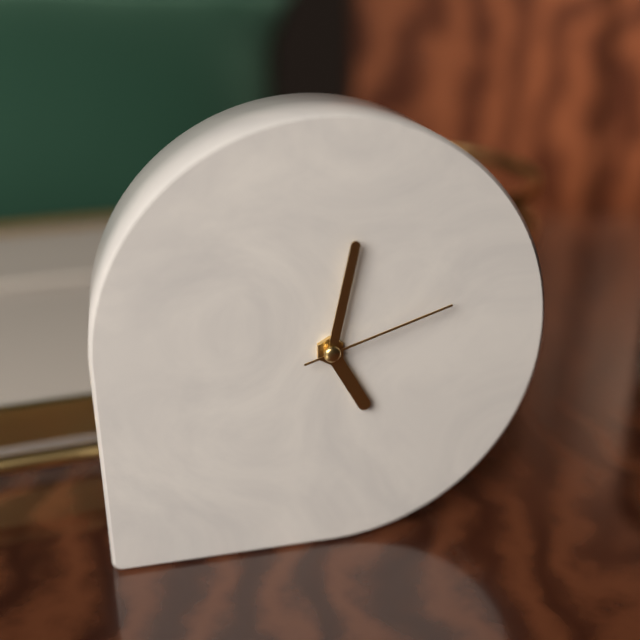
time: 5:02:12
